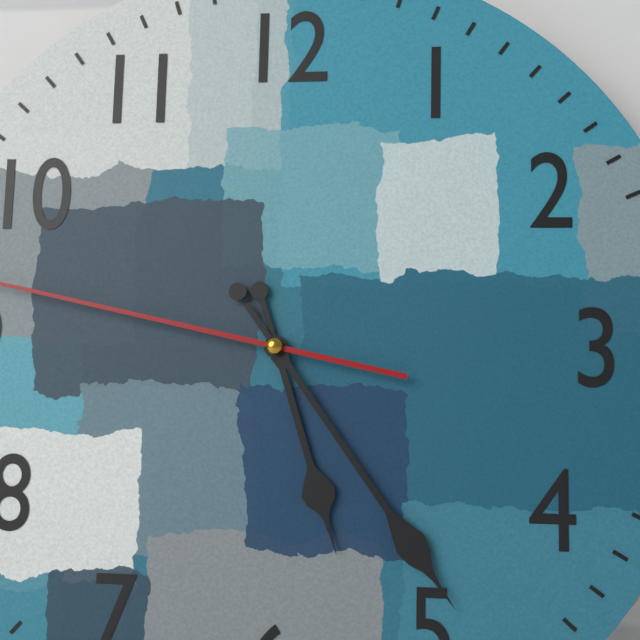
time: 5:24
